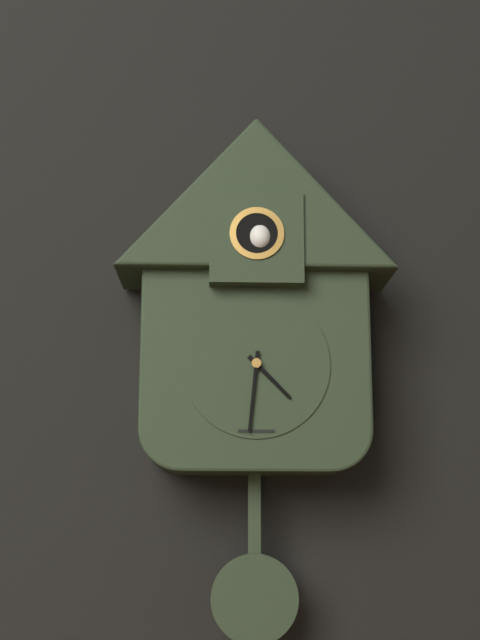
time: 4:31
